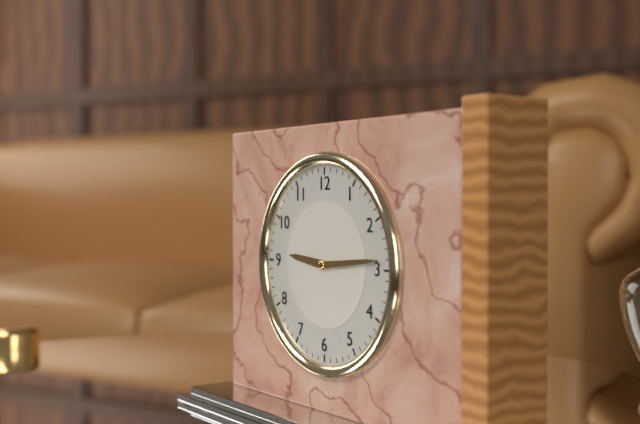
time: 9:14
